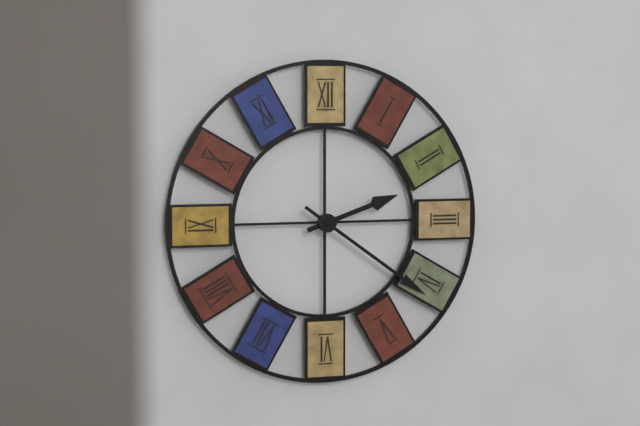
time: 2:21
